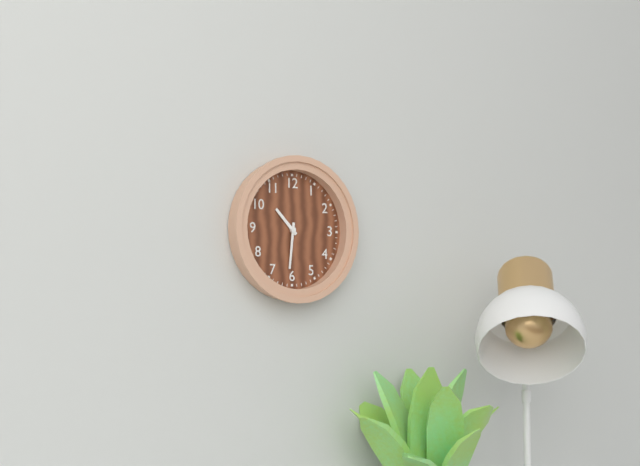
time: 10:31
